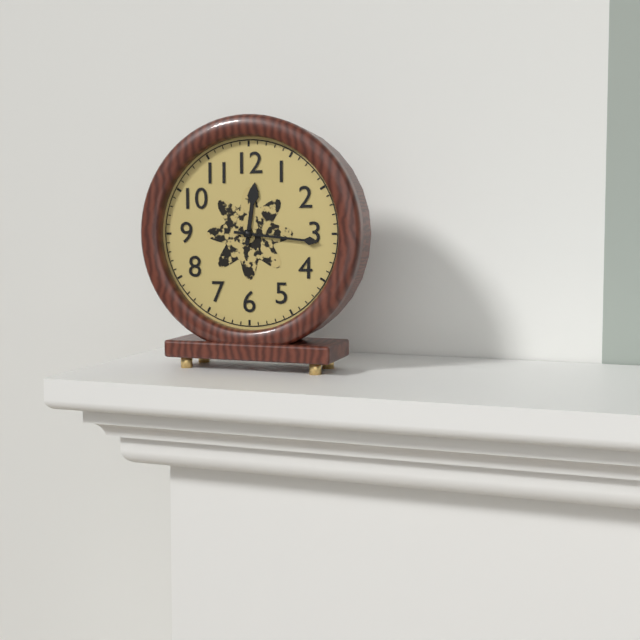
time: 12:16
